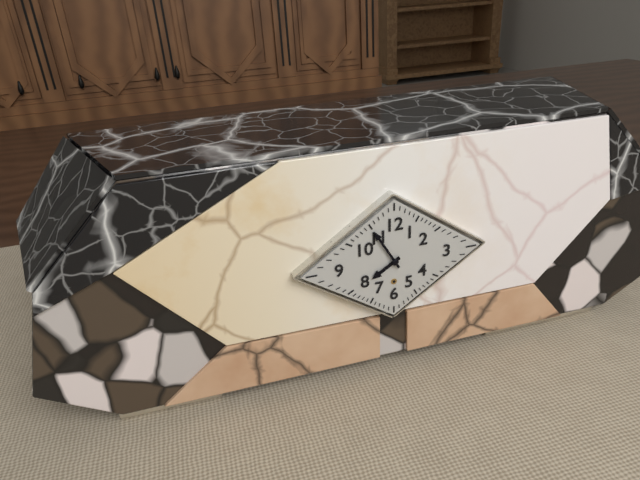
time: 7:55
